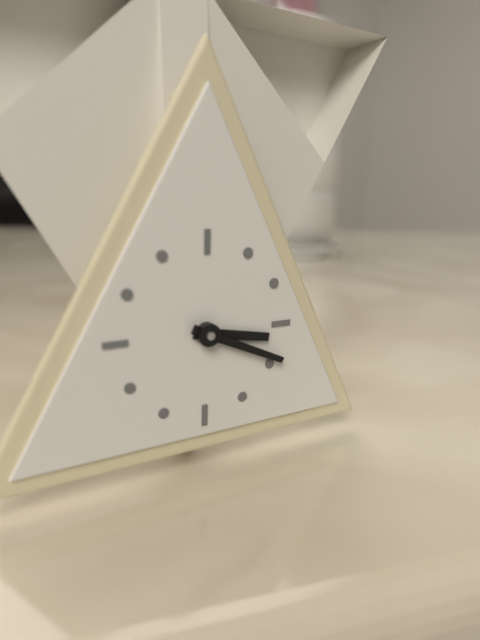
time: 3:19
